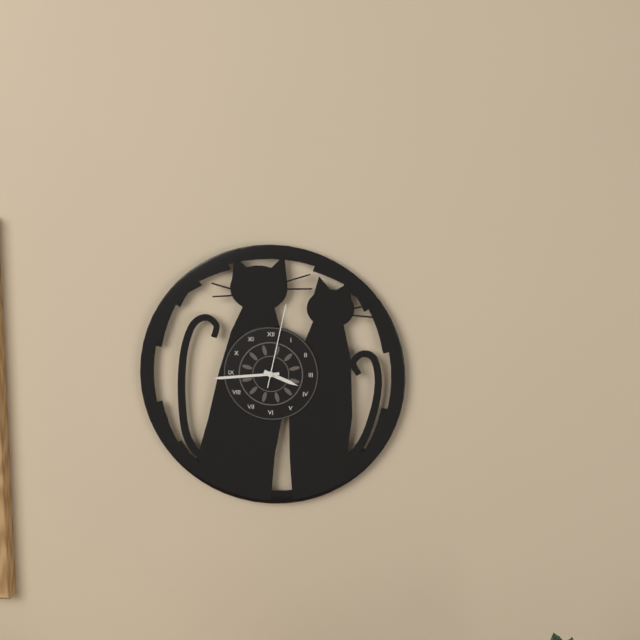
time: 3:44:02
